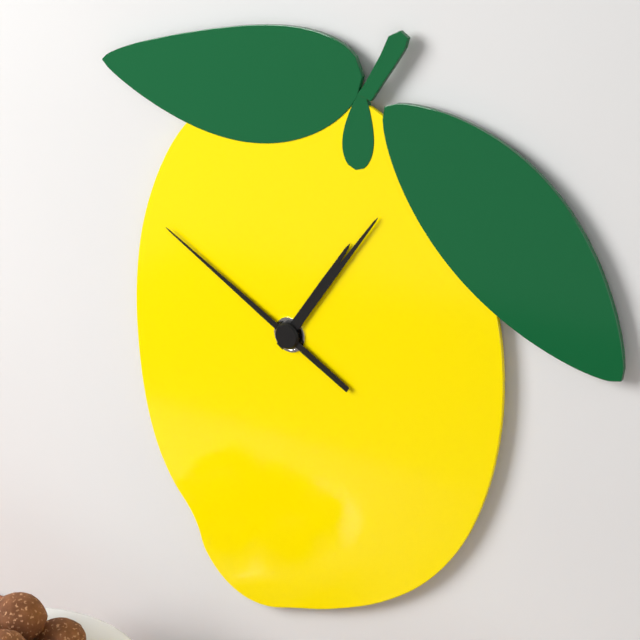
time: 1:06:50
